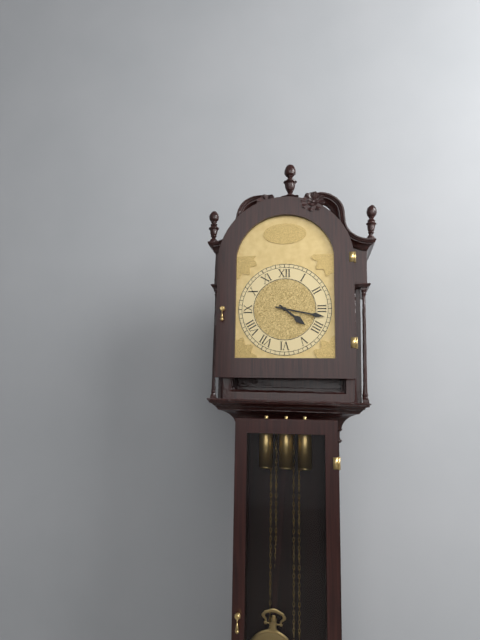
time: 4:17
